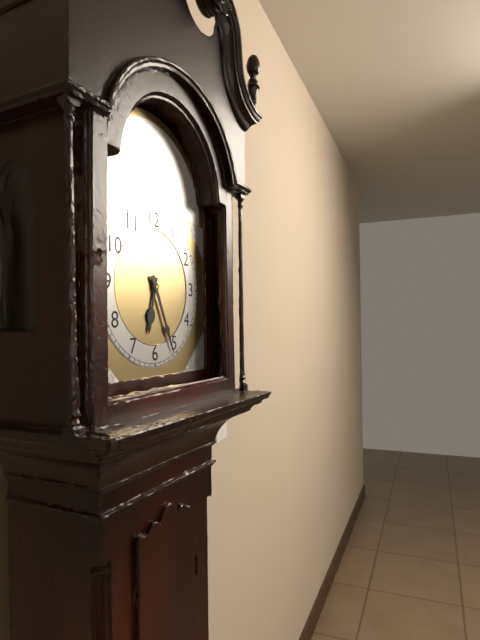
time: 6:26
